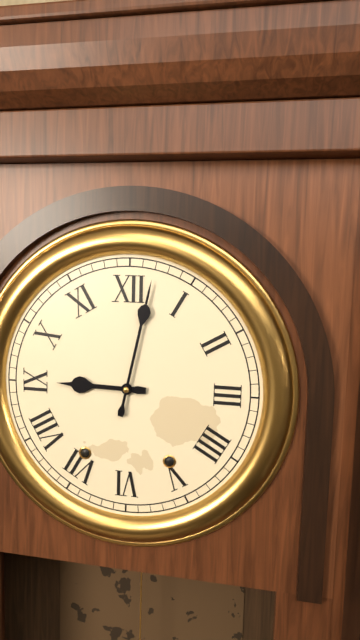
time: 9:02
